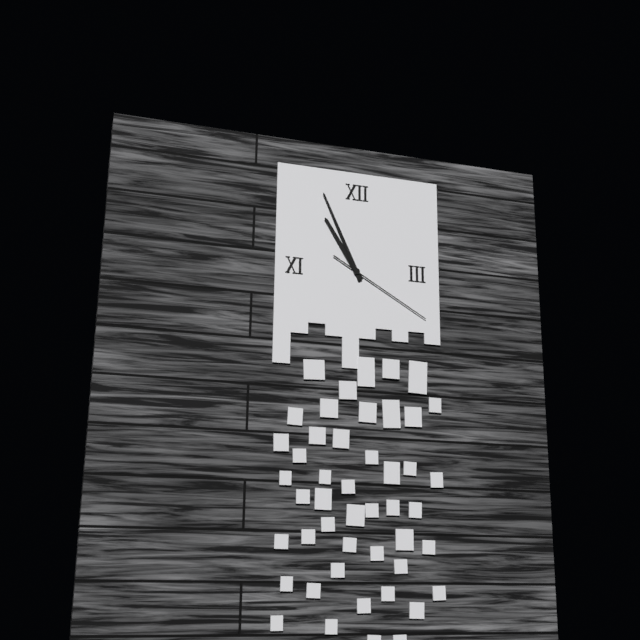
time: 10:56:20
